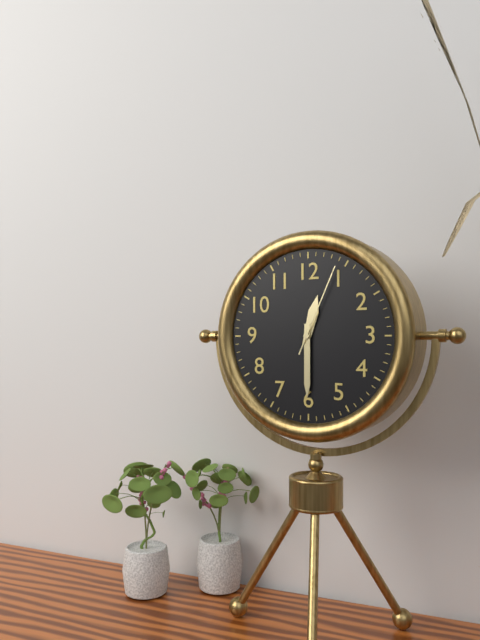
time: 12:30:04
